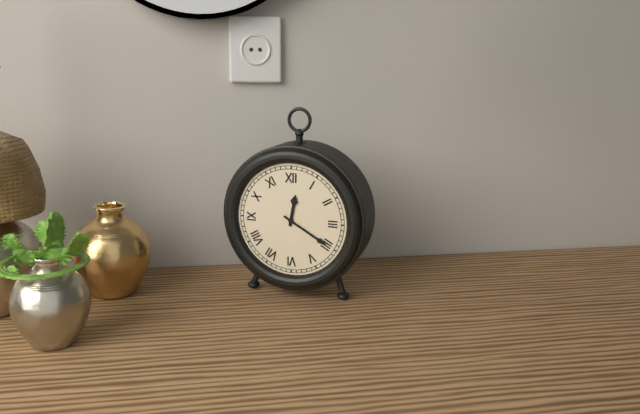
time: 12:20
